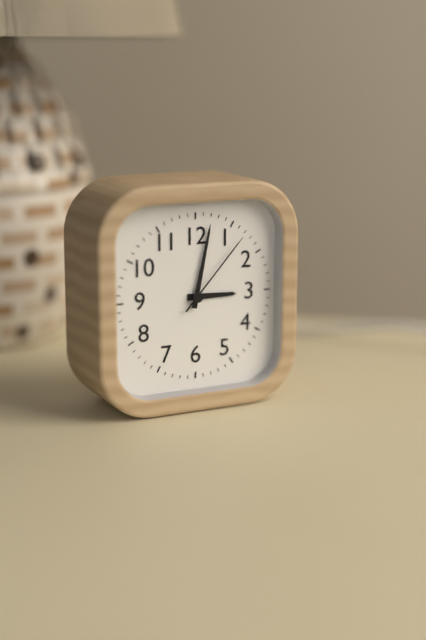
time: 3:02:07
